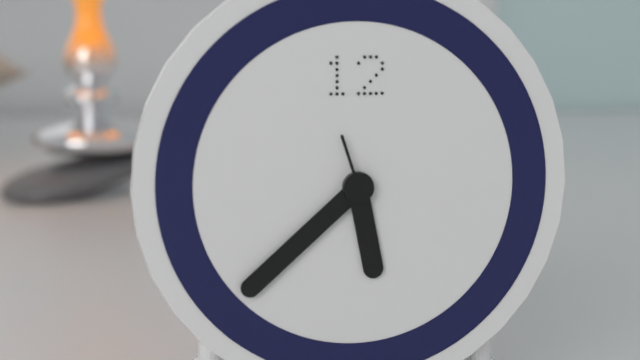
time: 5:38:57
